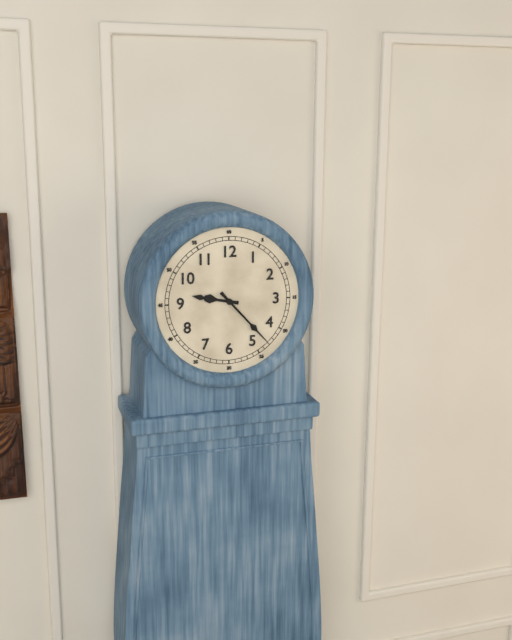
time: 9:23
